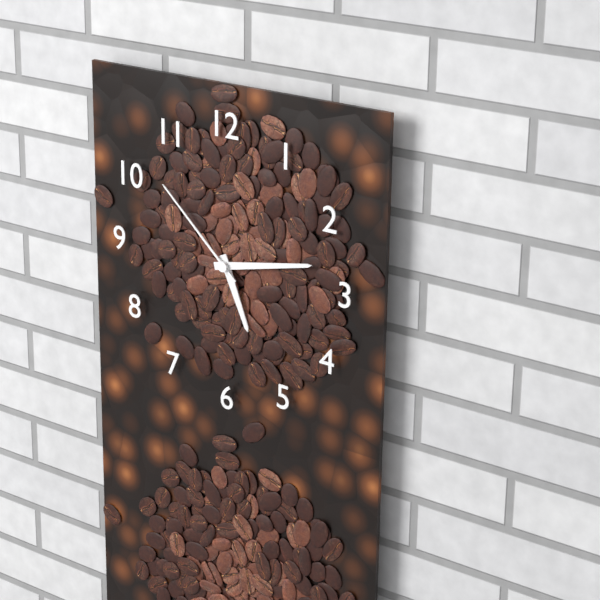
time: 5:13:52
